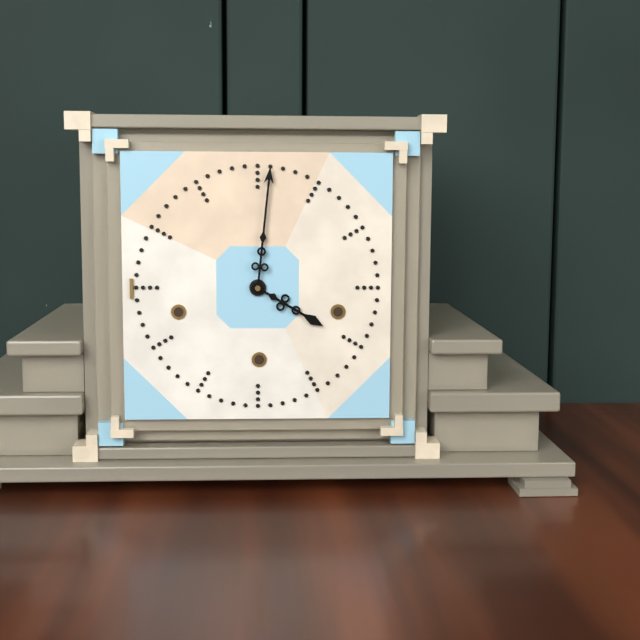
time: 4:01
